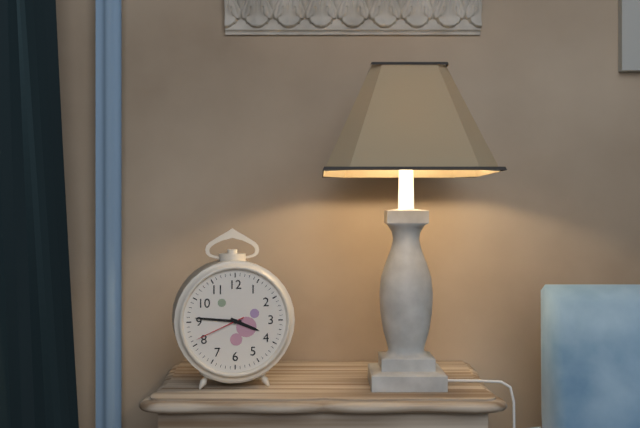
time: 3:46:41
